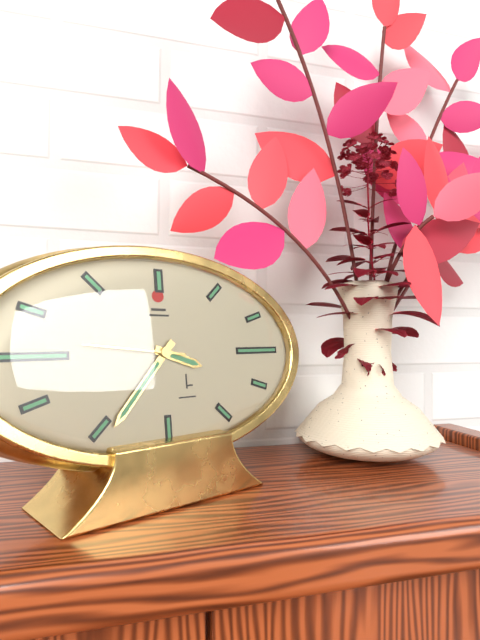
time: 3:37:46
